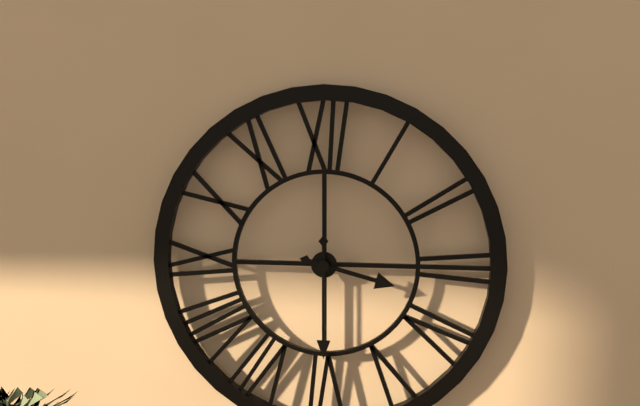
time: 3:30
